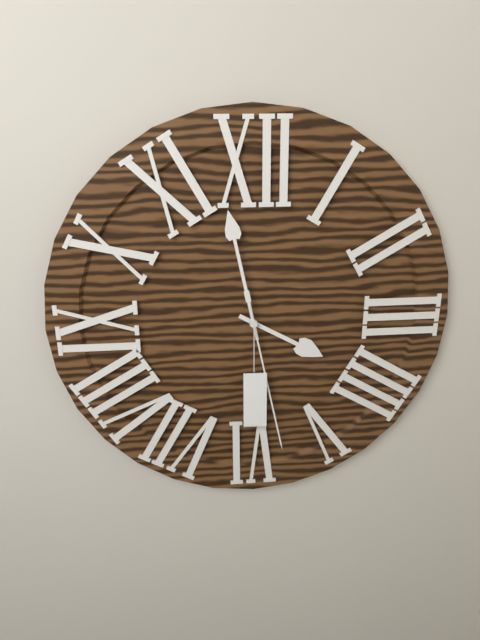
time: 3:58:28
